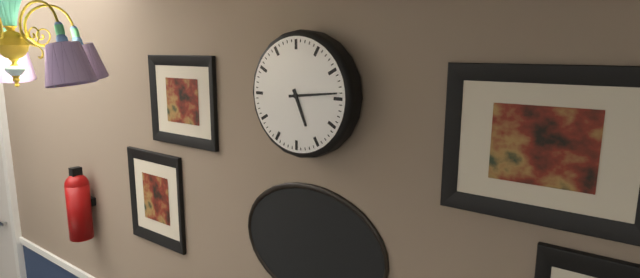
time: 5:14
